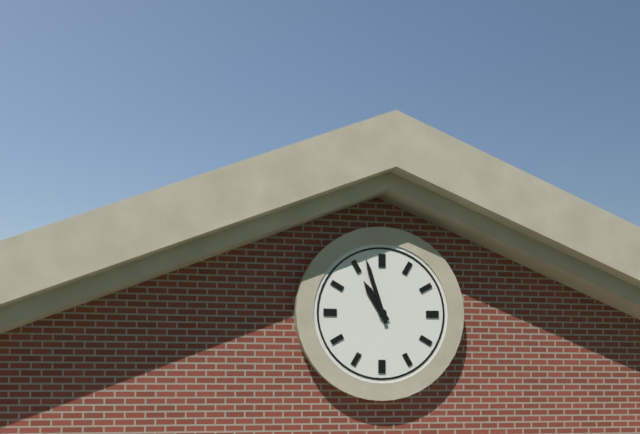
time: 10:57
